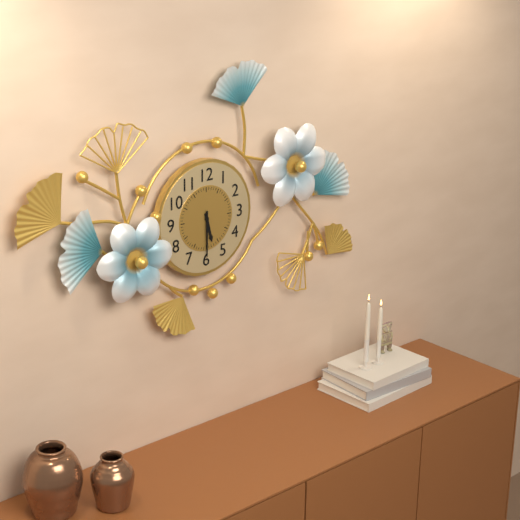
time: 5:30
